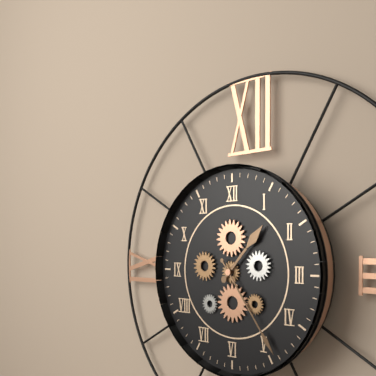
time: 1:24
